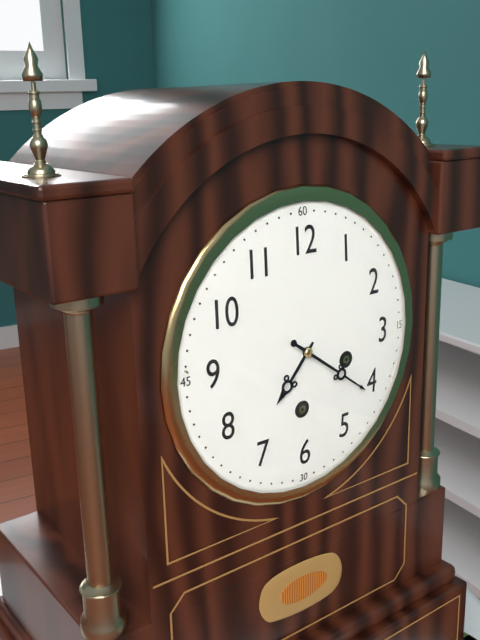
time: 7:21
